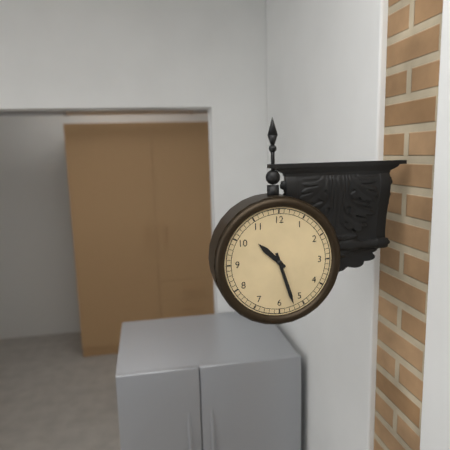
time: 10:27
